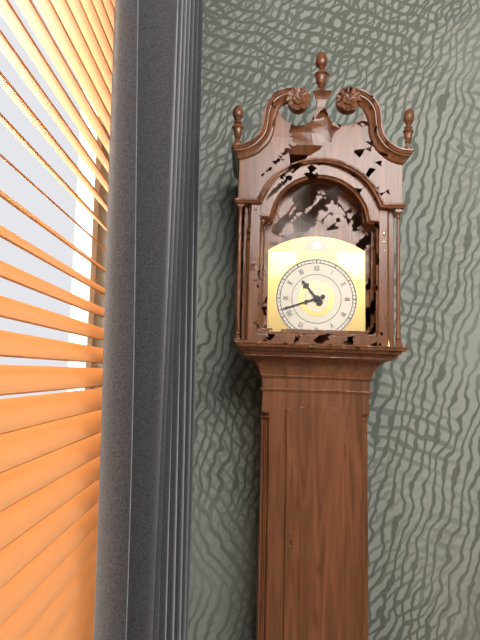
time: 10:42
